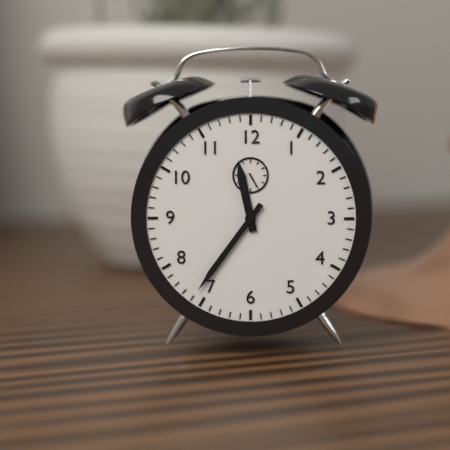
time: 11:36
